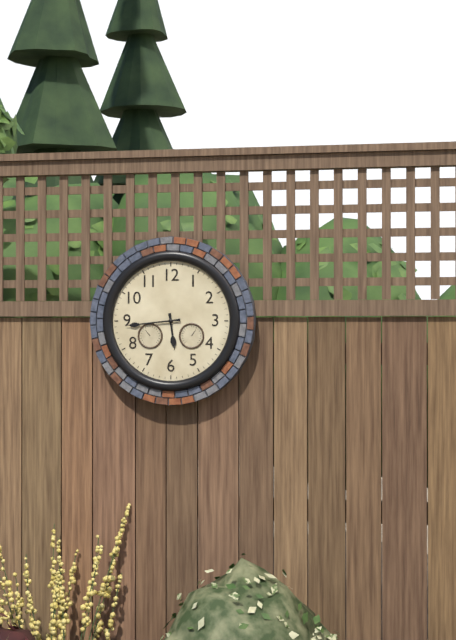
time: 5:44
